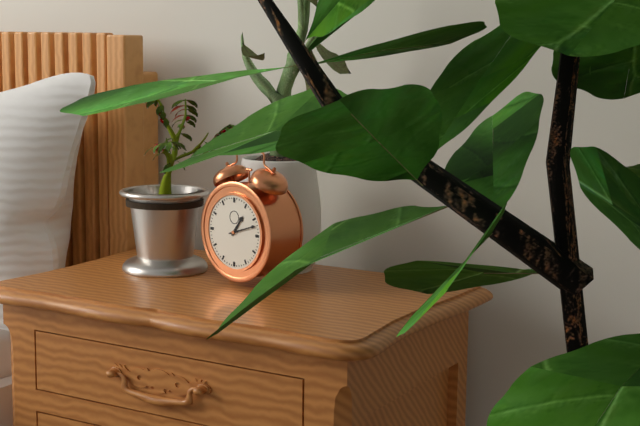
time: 1:12
